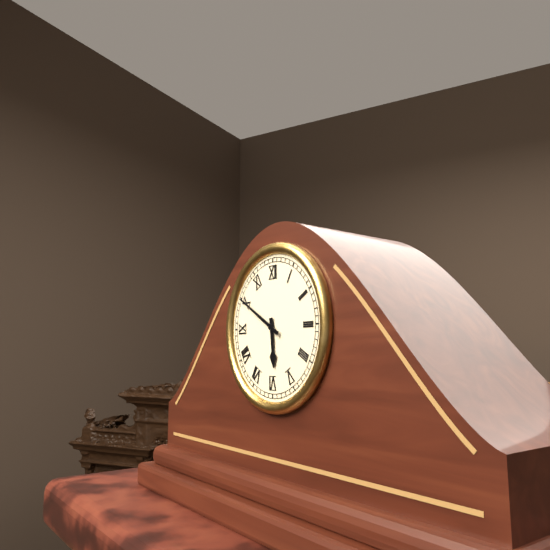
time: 5:50
